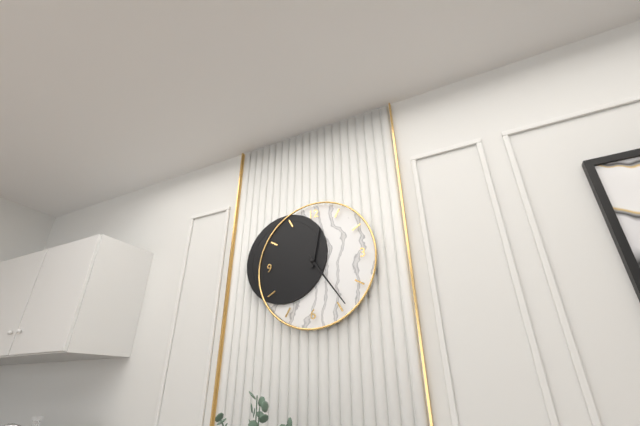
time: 12:24
